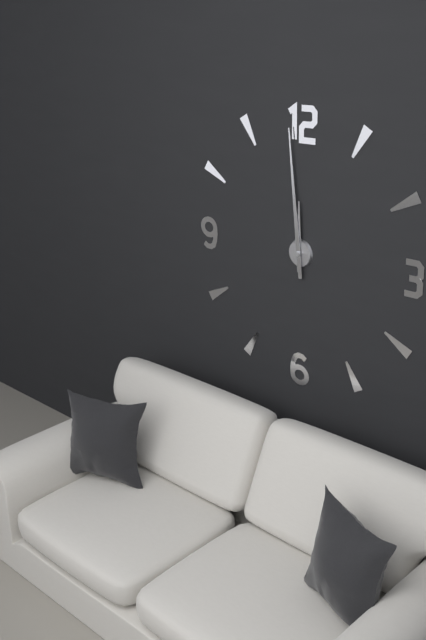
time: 11:59
